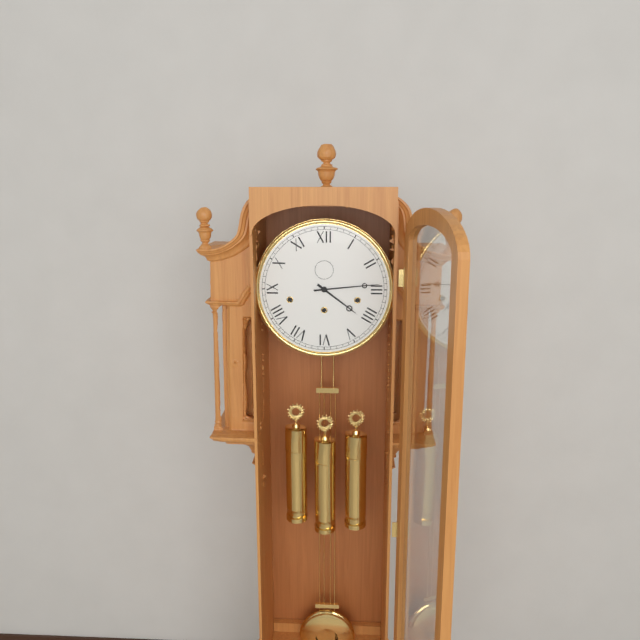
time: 4:14
